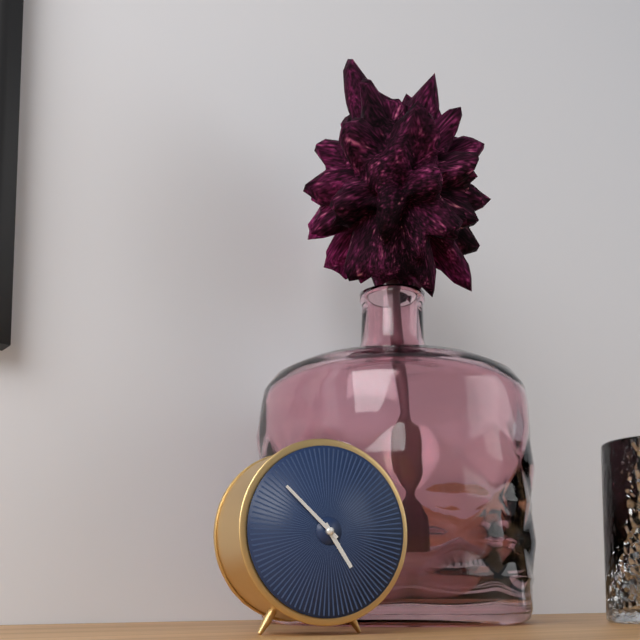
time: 4:52
